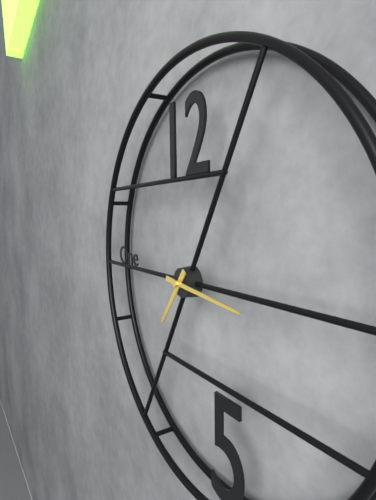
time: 7:16
